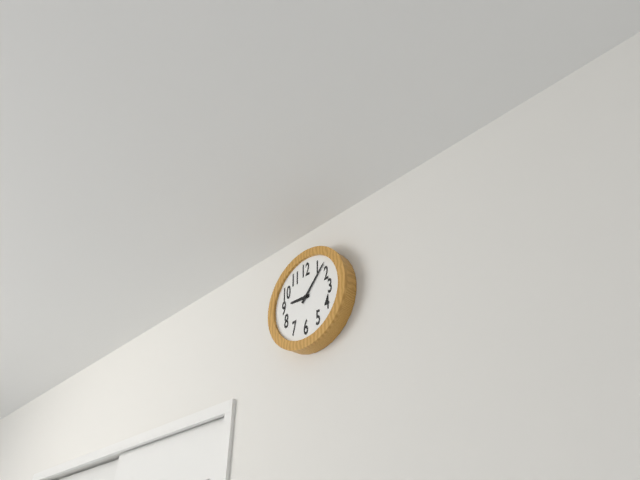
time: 9:07
